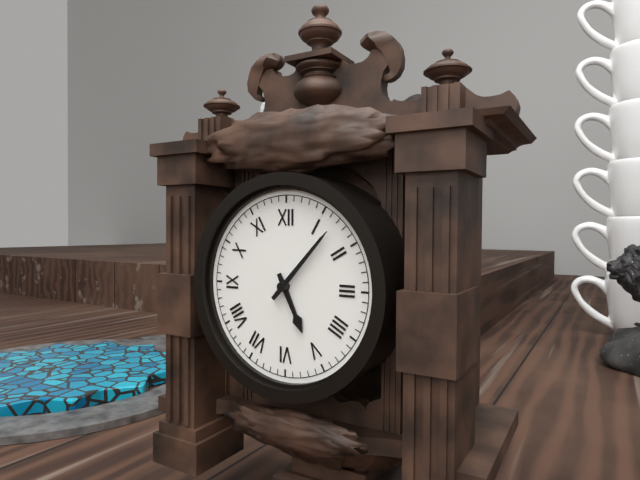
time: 5:07
